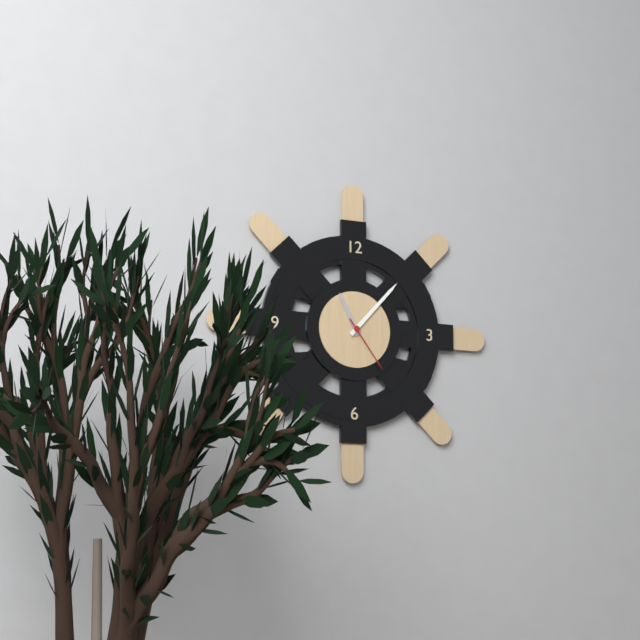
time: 11:07:24
